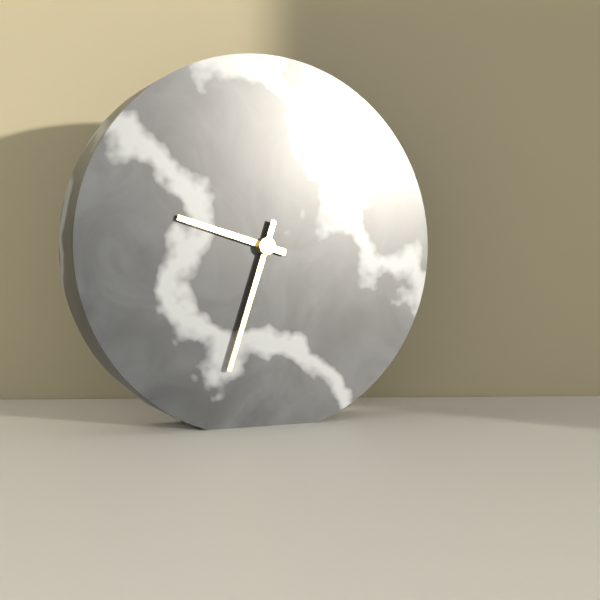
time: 9:33
